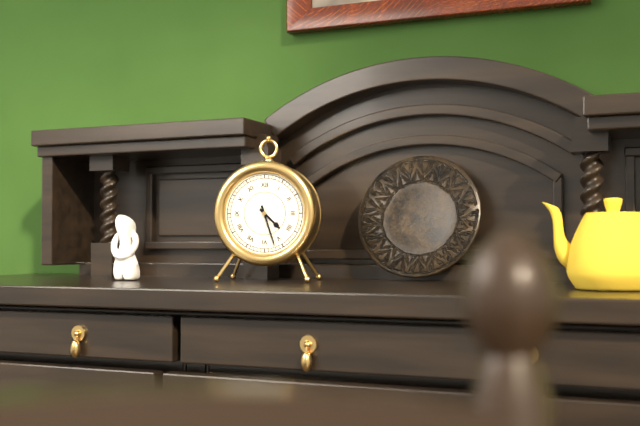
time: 4:27
